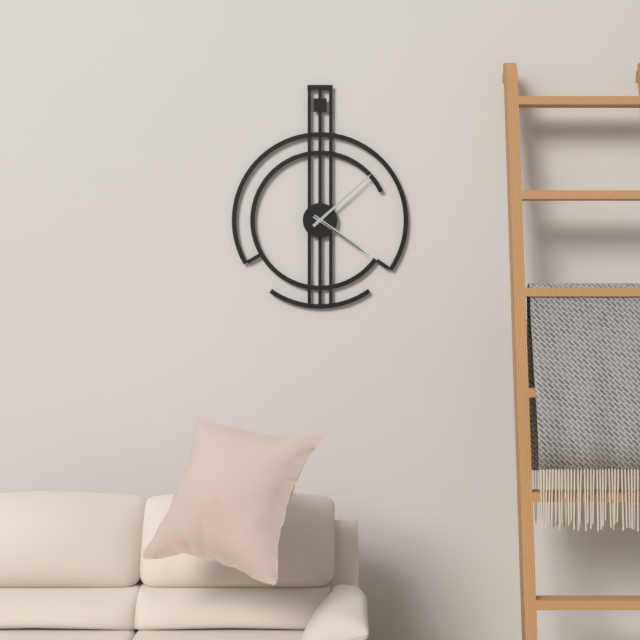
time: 4:08:21
